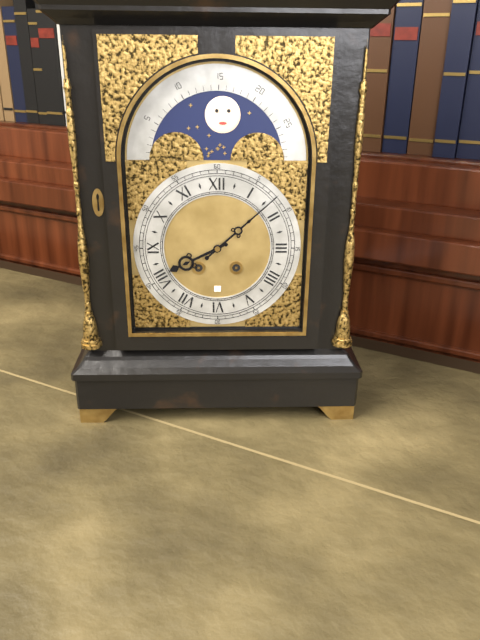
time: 8:08
